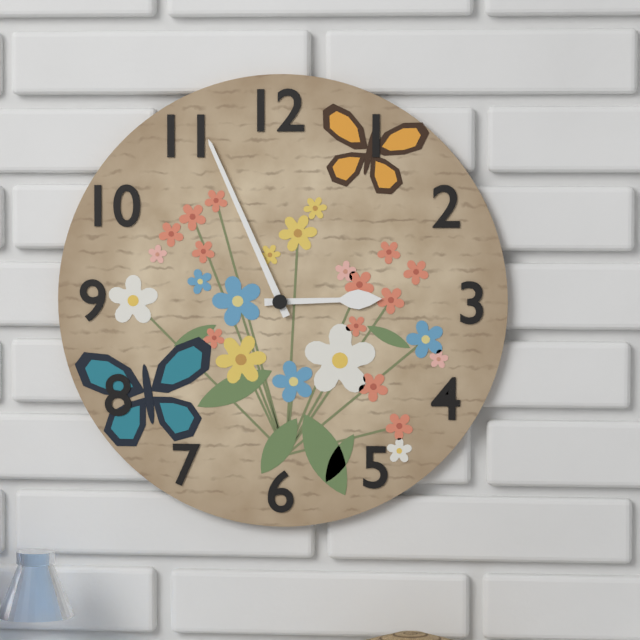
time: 2:56
